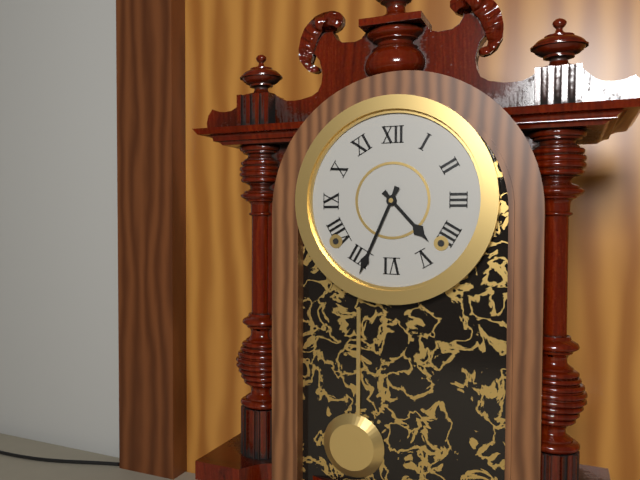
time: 4:34
